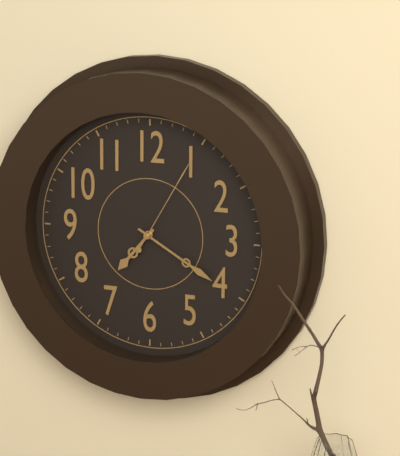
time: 7:20:05
